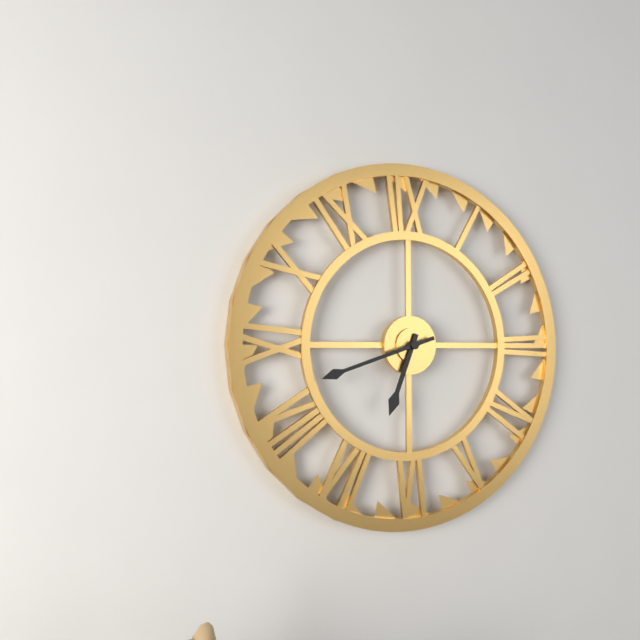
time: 6:42
